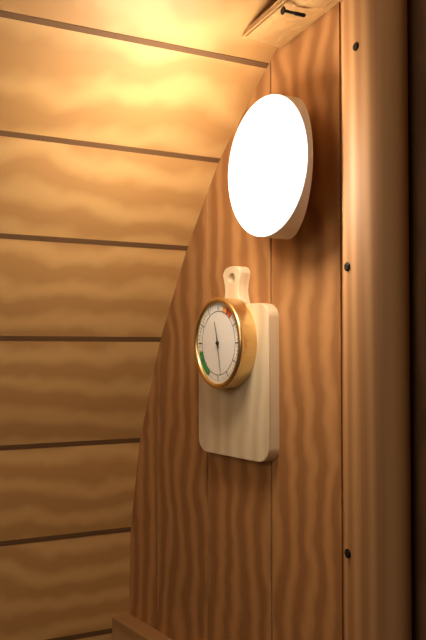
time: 11:28
